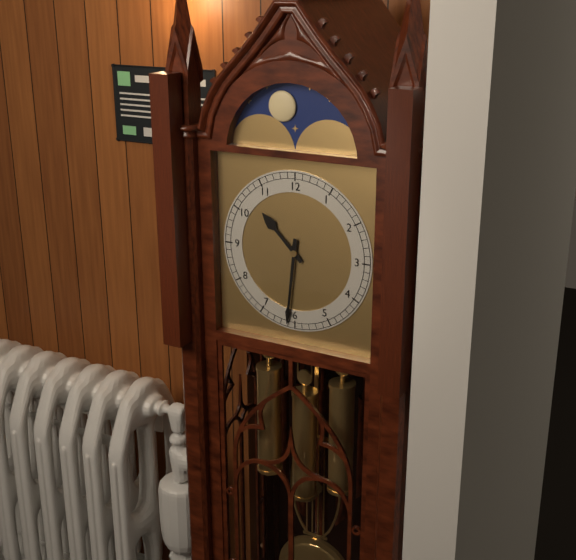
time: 10:31
